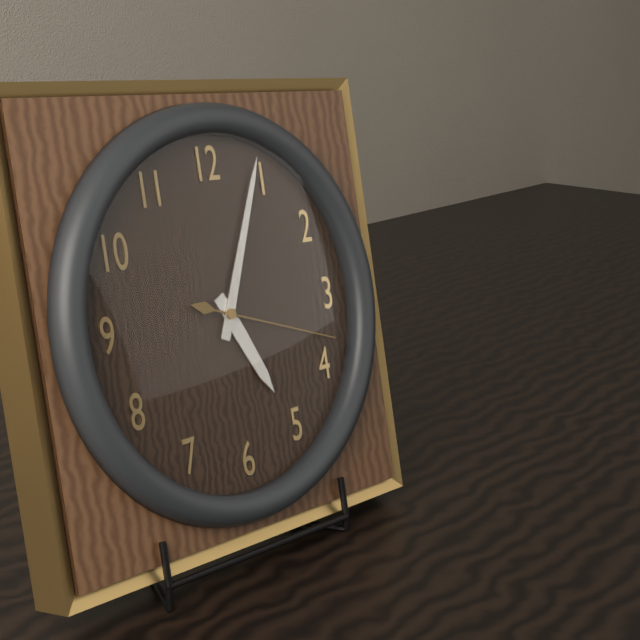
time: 5:04:18
